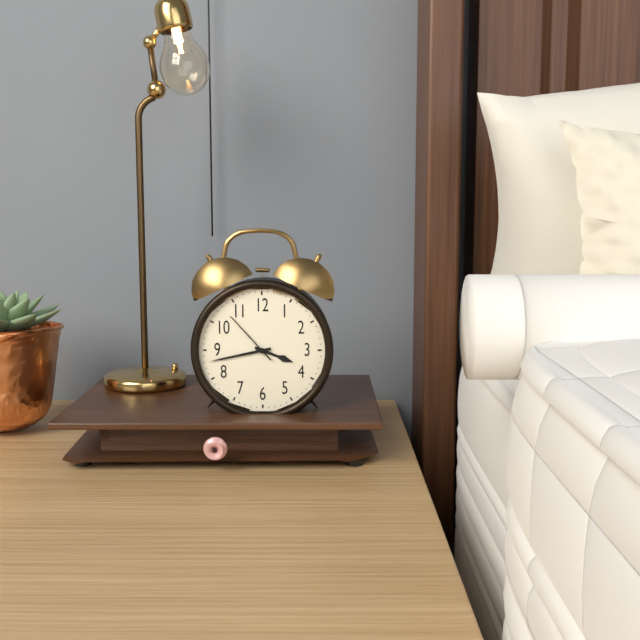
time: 3:43:53
